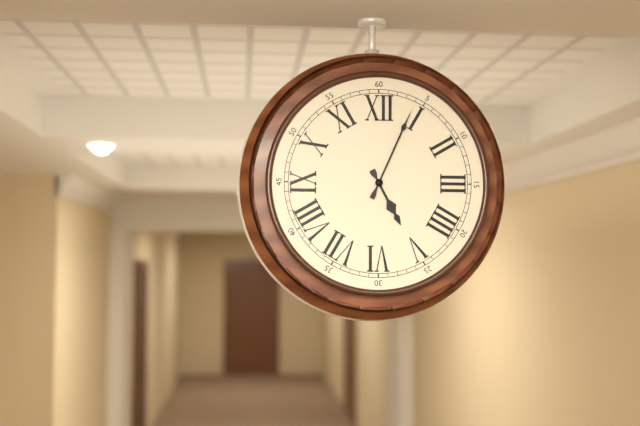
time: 5:04
